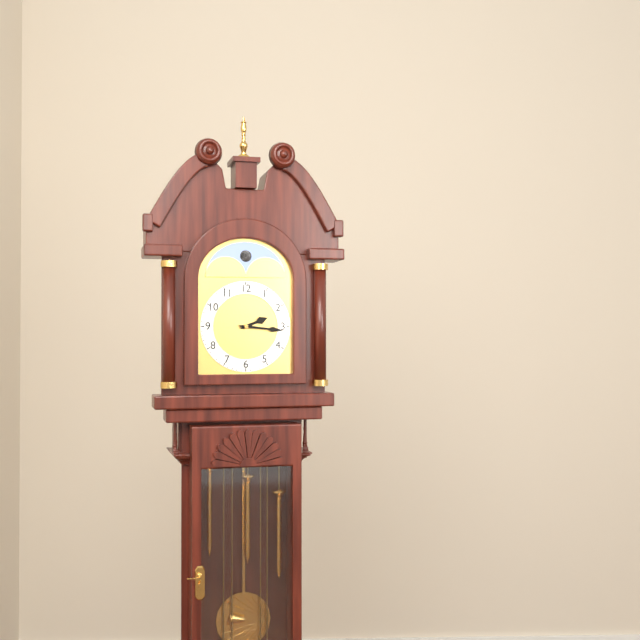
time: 2:16
